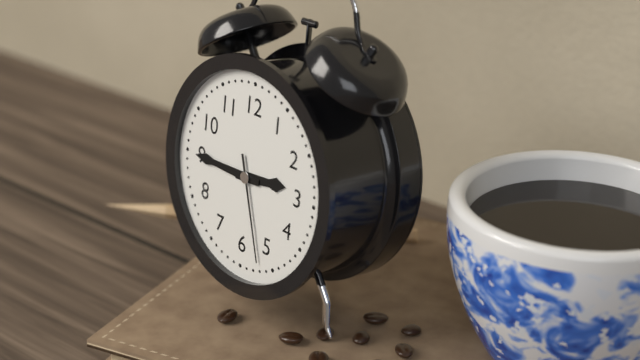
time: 2:45:27
